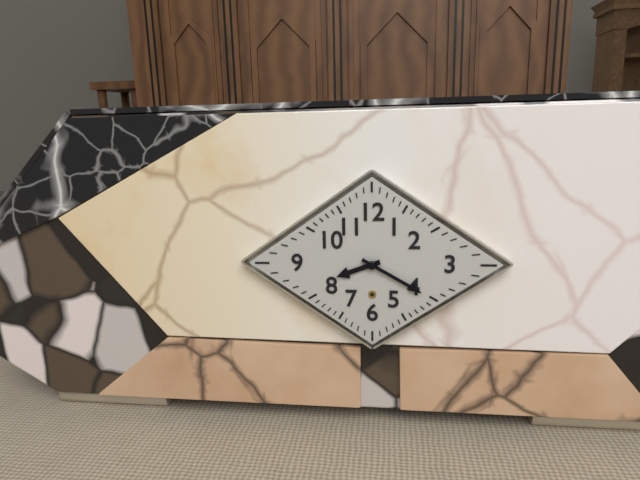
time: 8:20
